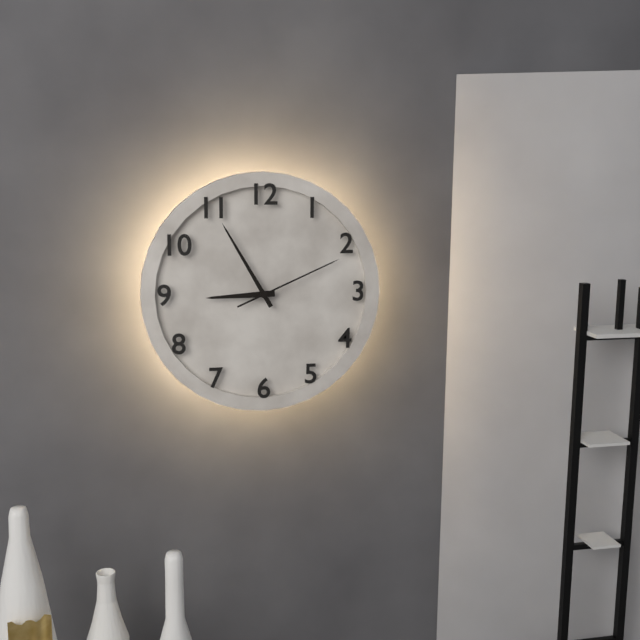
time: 8:55:11
